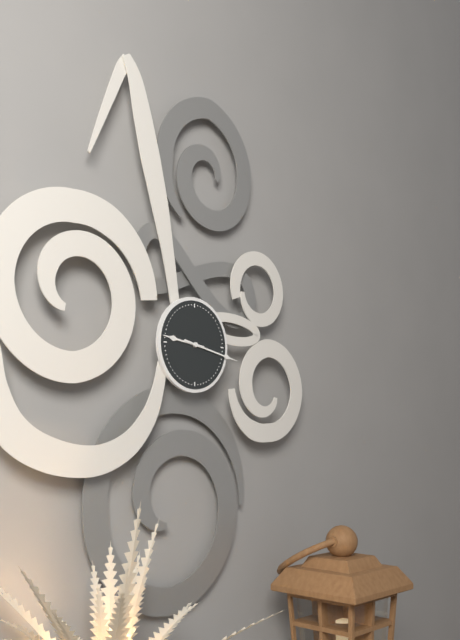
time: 9:17
